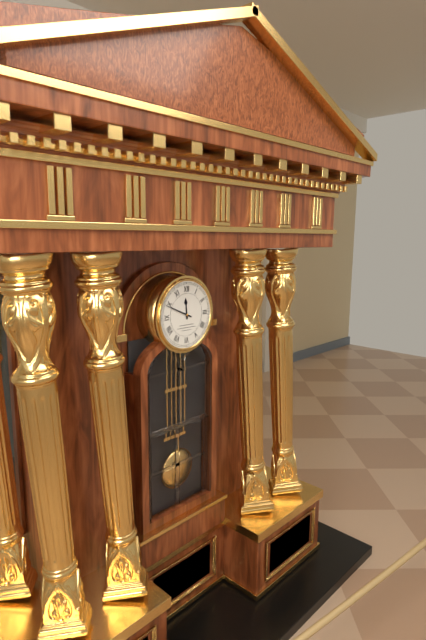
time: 11:49
